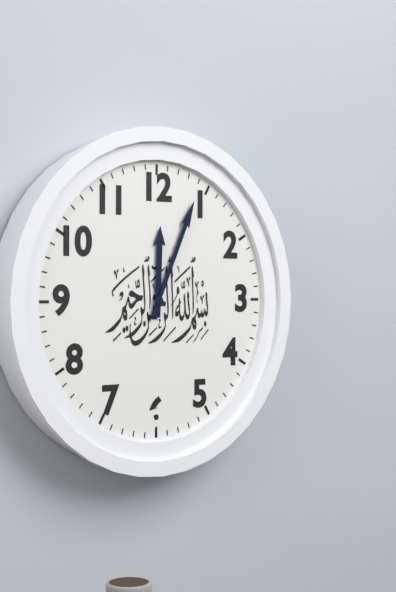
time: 12:04
